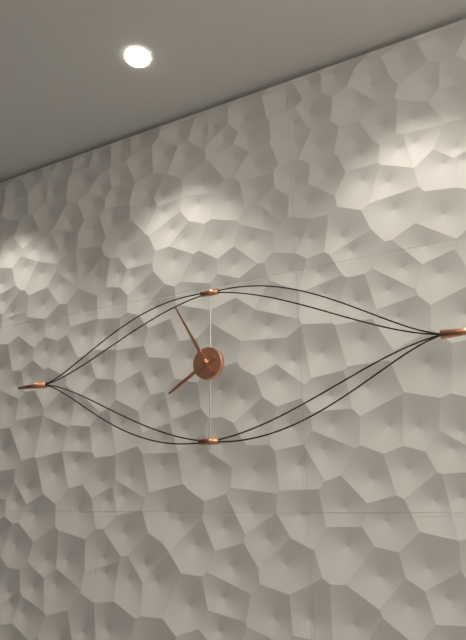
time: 7:55
